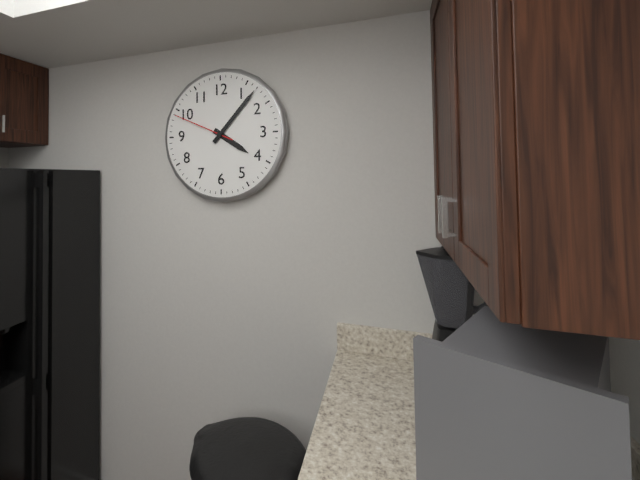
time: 4:07:49
